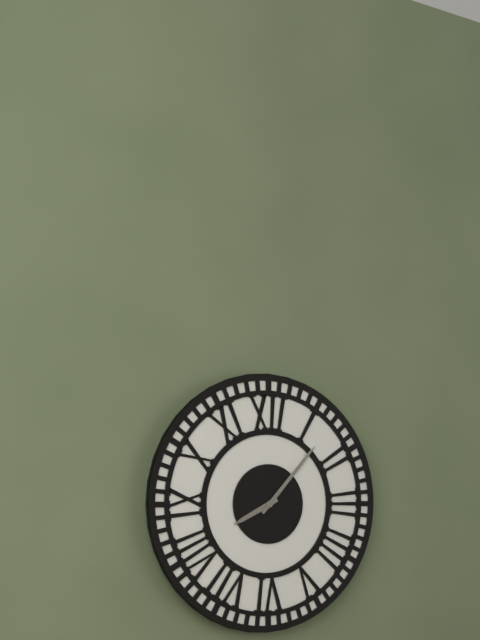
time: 8:07
